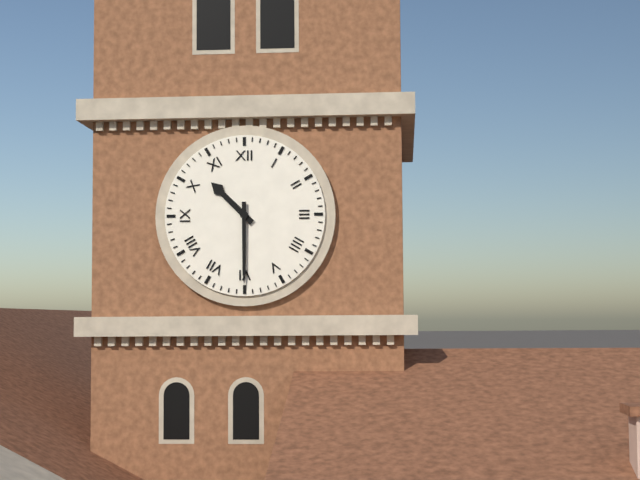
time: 10:30
